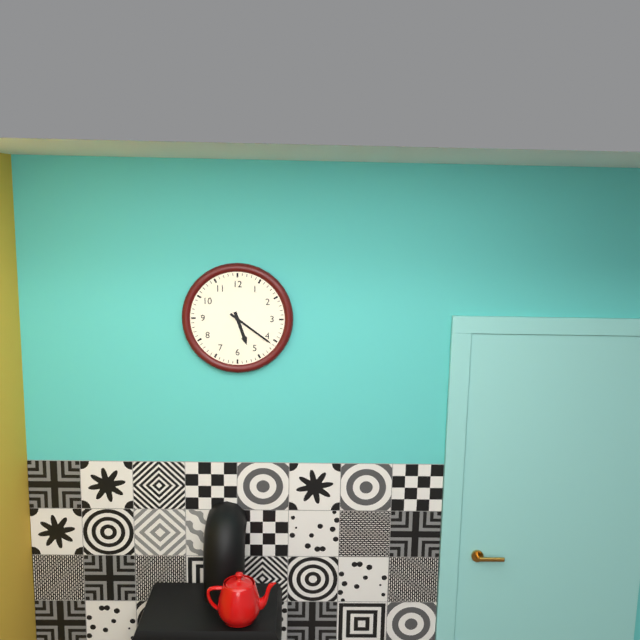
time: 5:21
